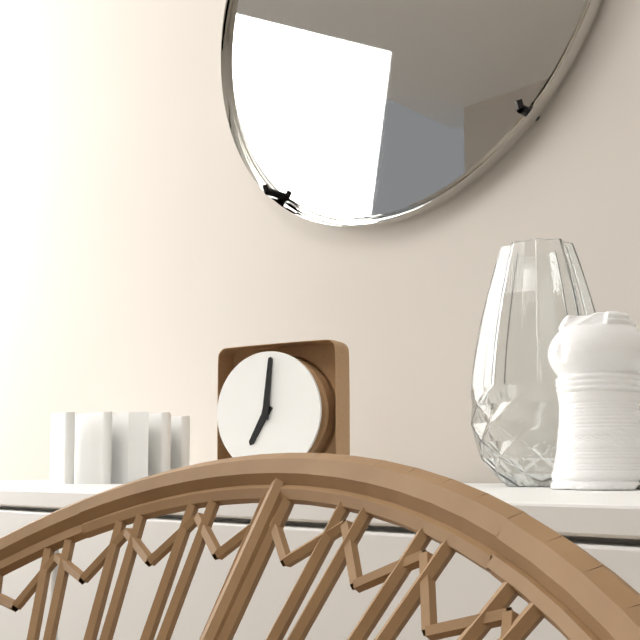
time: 7:01
